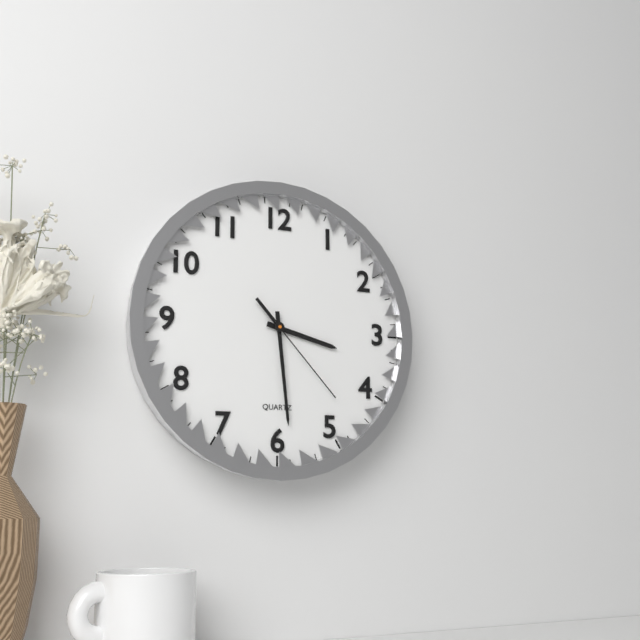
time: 3:29:23
